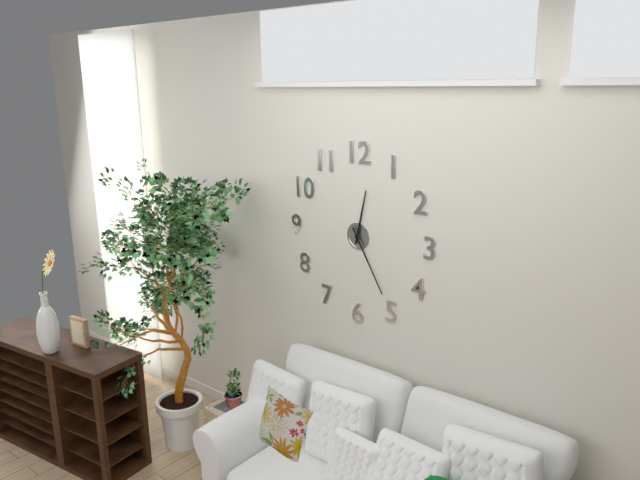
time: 12:25
